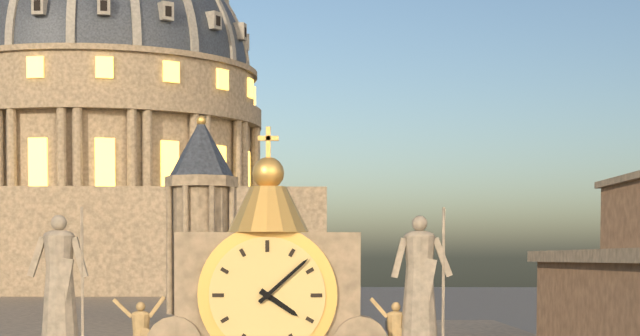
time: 4:08
